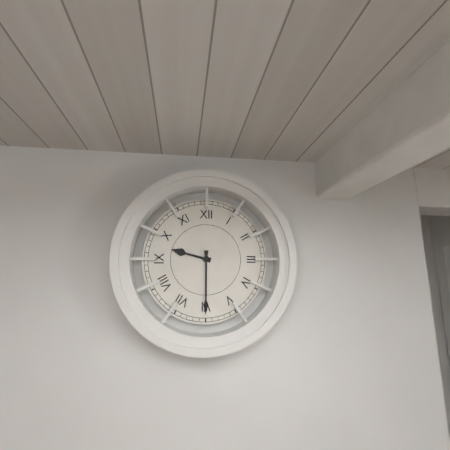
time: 9:30
